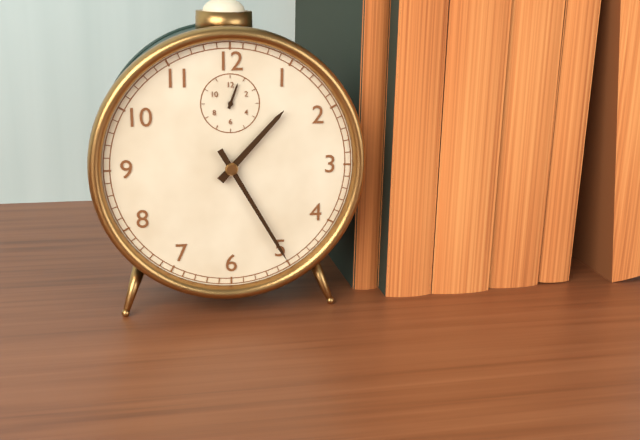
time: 1:25
